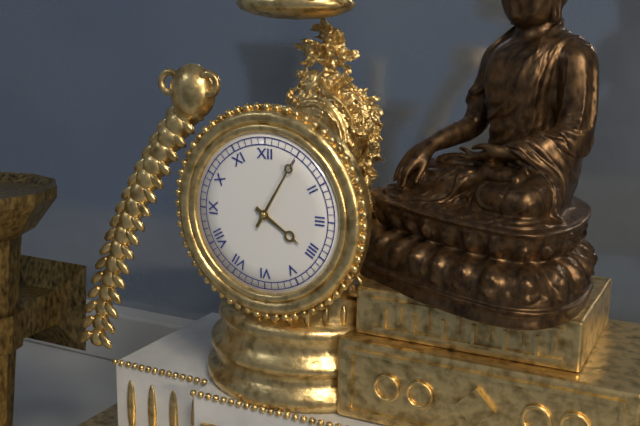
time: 4:05
